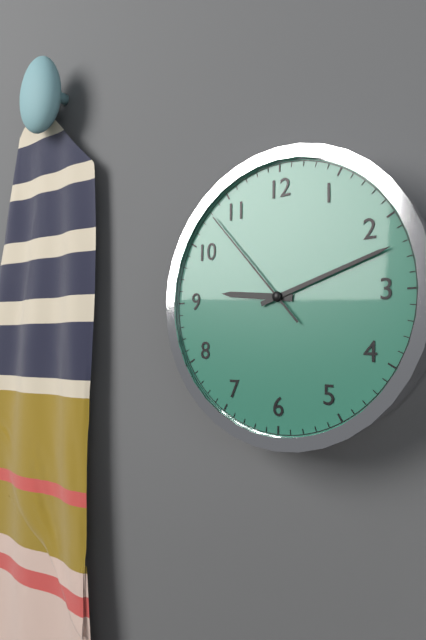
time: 9:12:53
